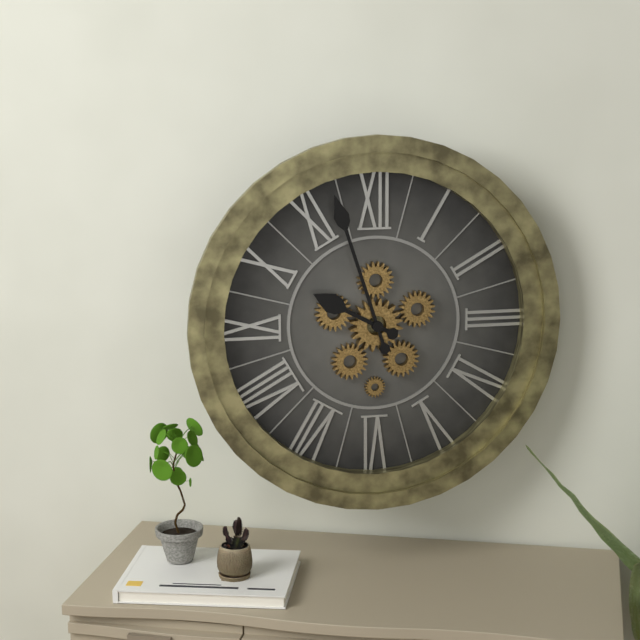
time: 9:57
